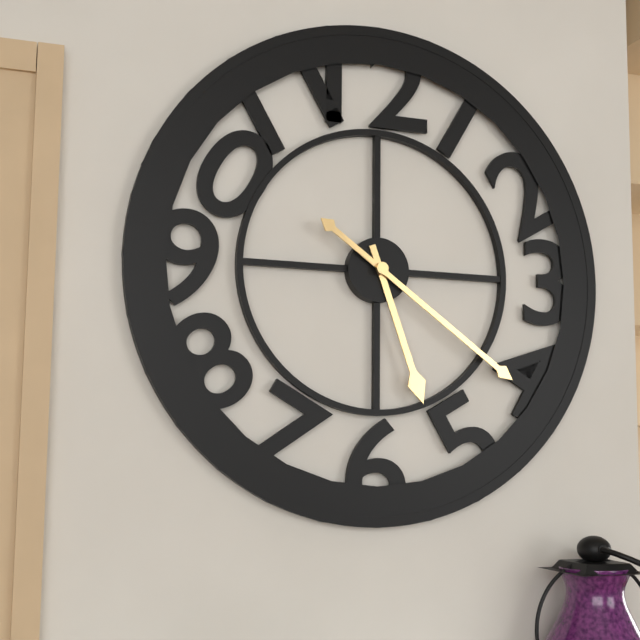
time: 5:21
